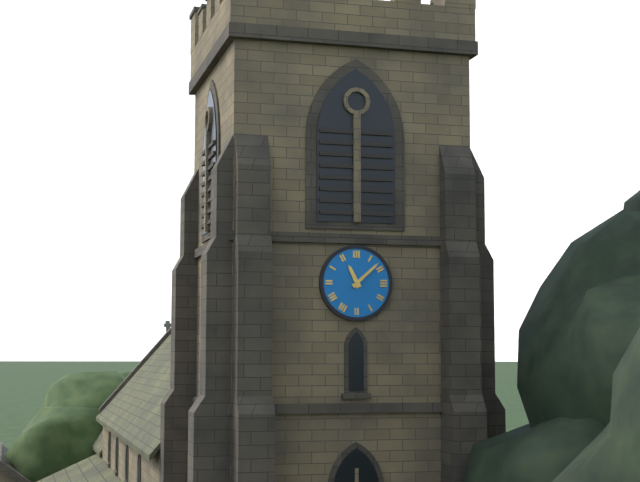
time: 11:08
